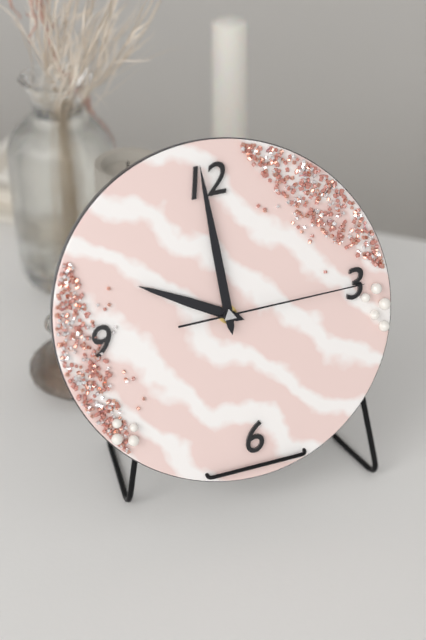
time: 10:00:15
